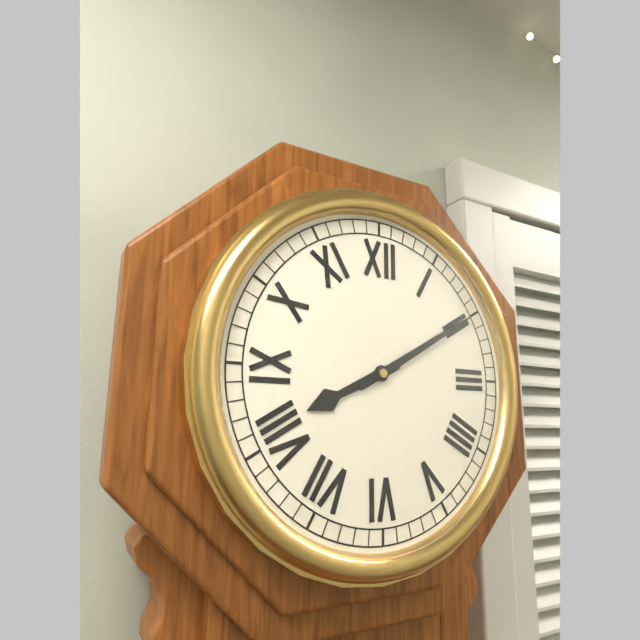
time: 8:10
